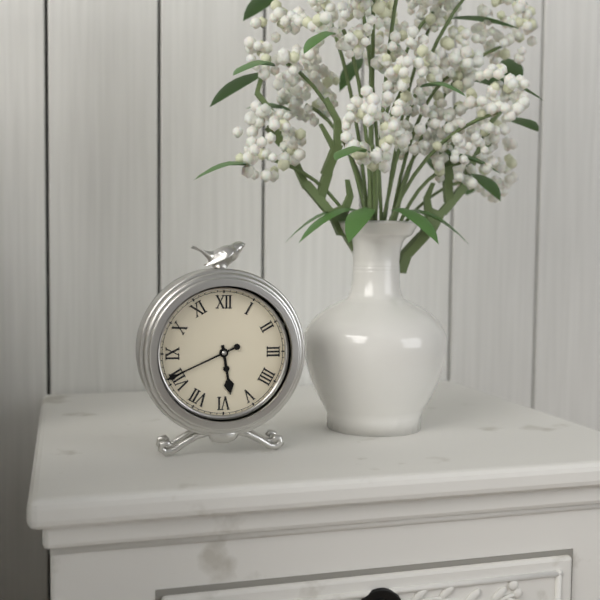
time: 5:41
